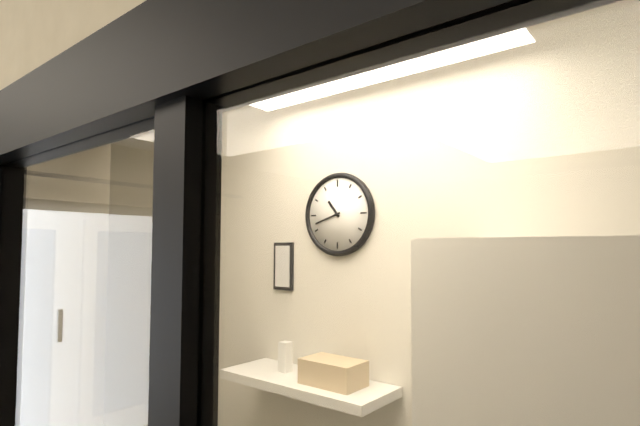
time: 10:42
